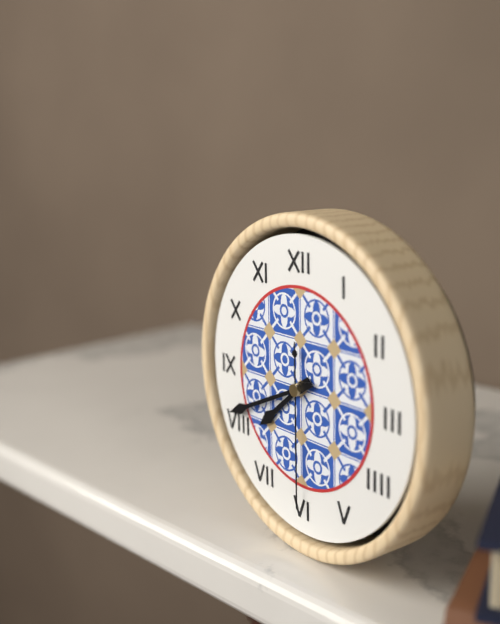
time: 7:41:30
